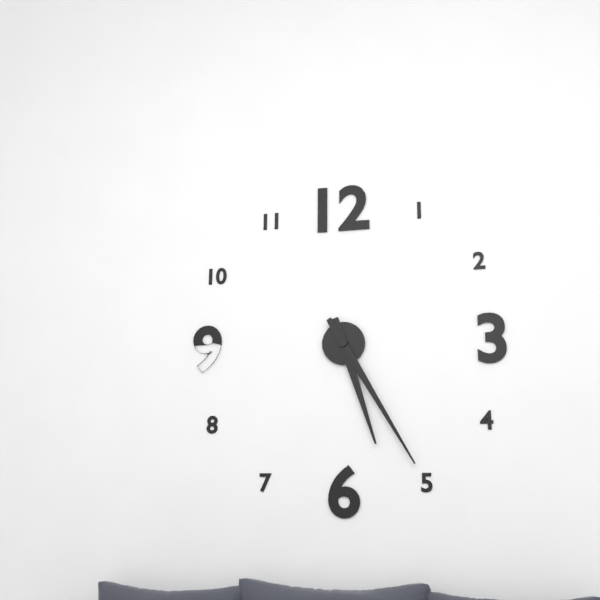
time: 5:25
